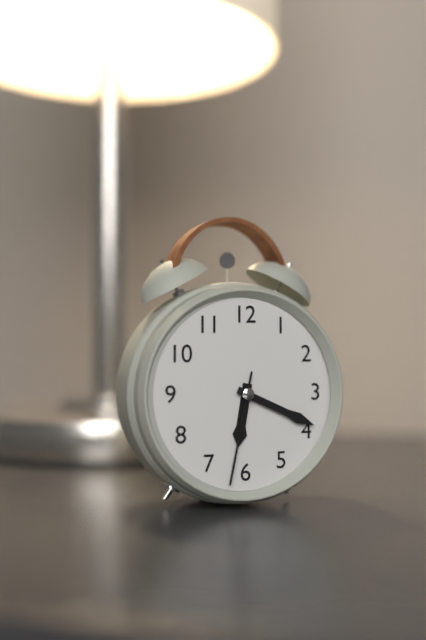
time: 6:19:32
